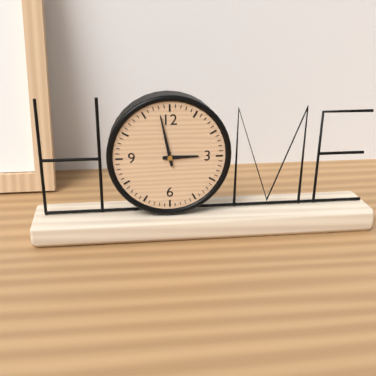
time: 2:58
